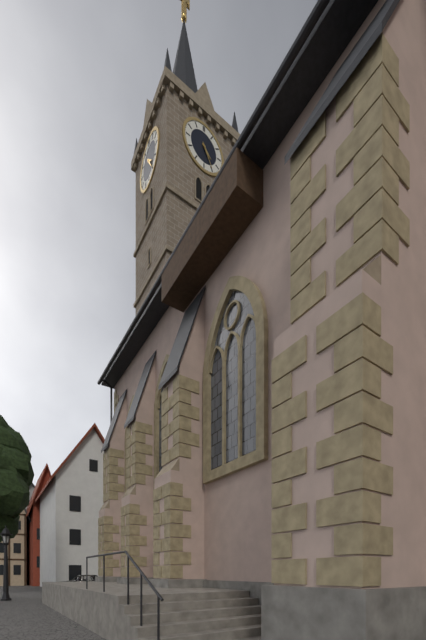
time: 4:25
